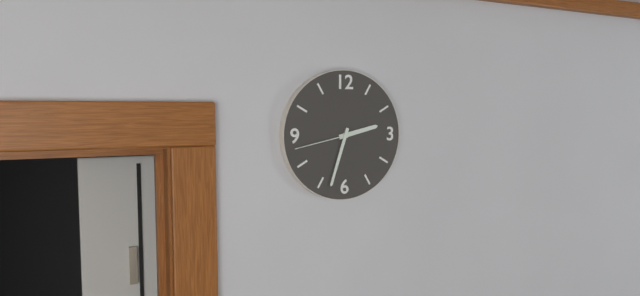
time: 2:33:43
